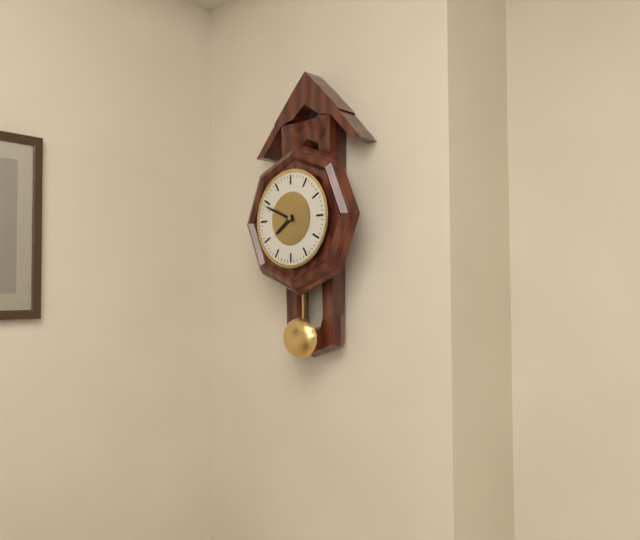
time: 7:49
